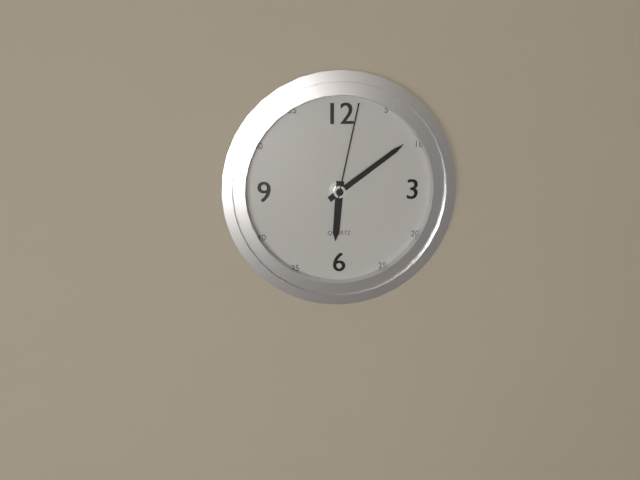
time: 6:09:02
